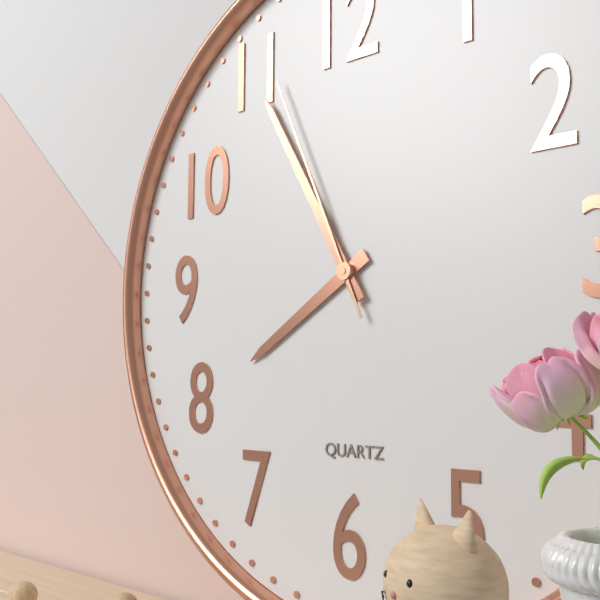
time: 7:55:56
